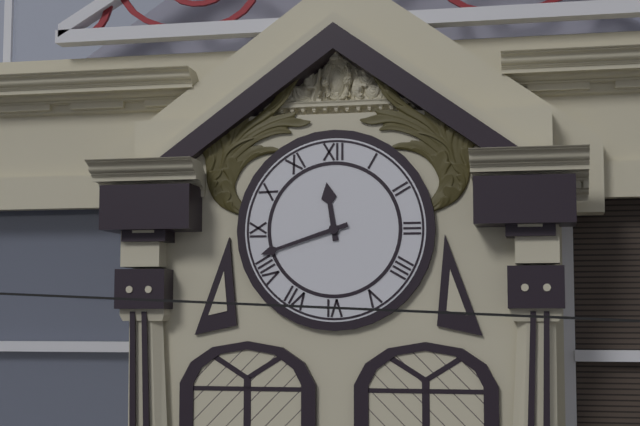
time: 11:42
